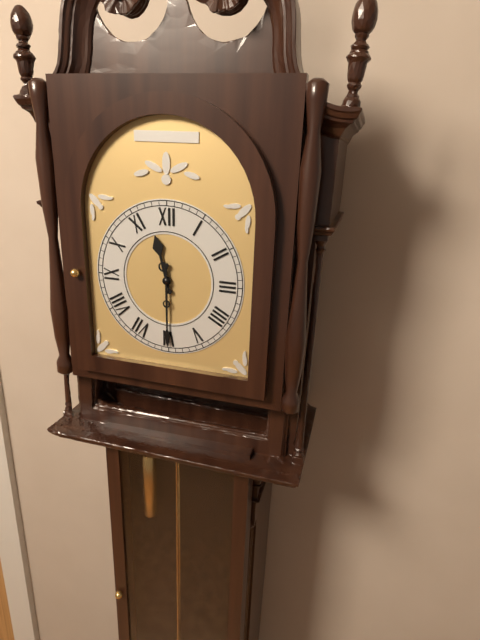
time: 11:30
